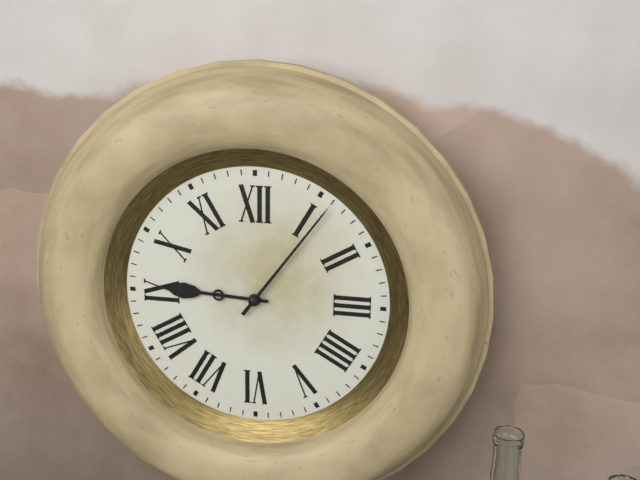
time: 9:06
